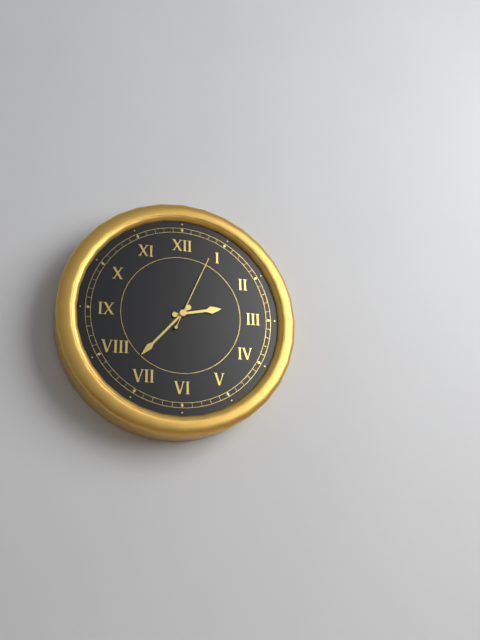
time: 2:37:04
